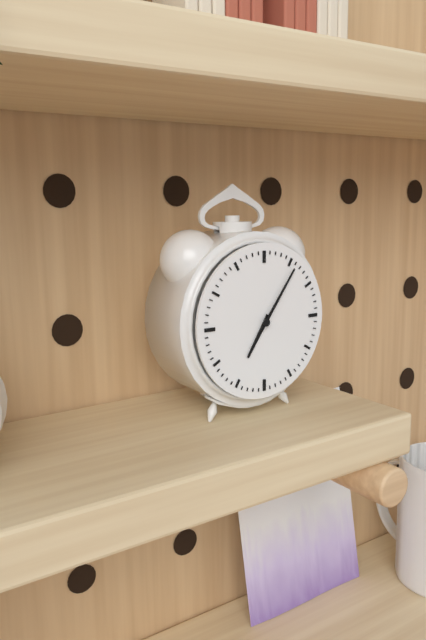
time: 7:06
